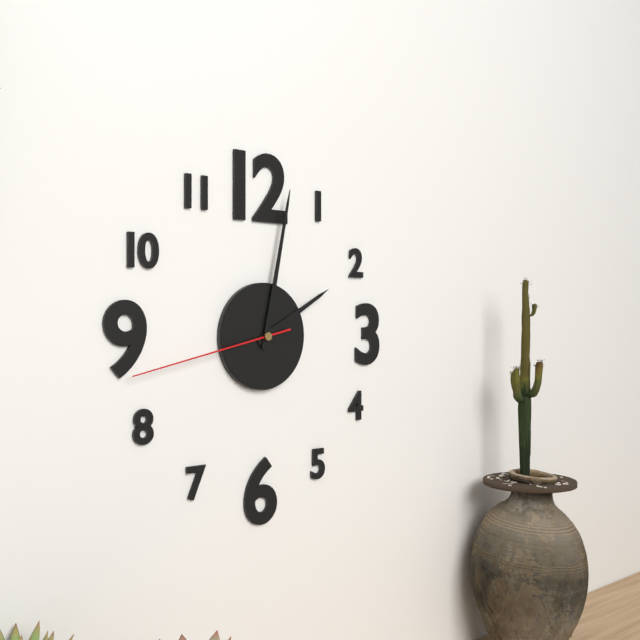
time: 2:02:43
